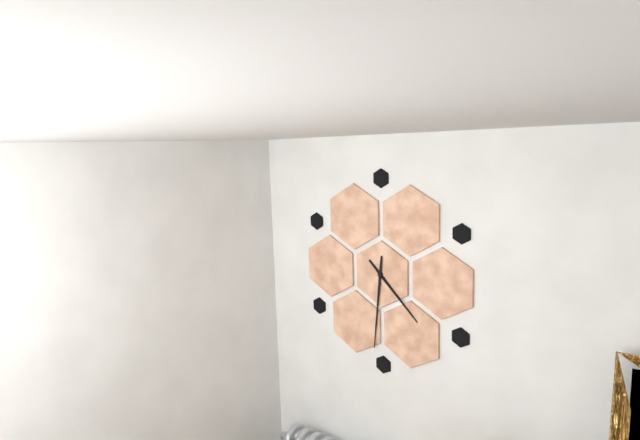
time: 4:31
